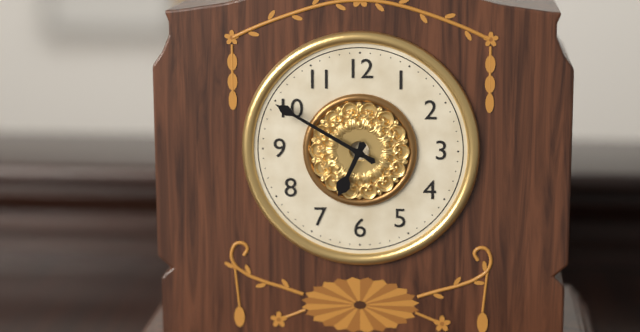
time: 6:50
